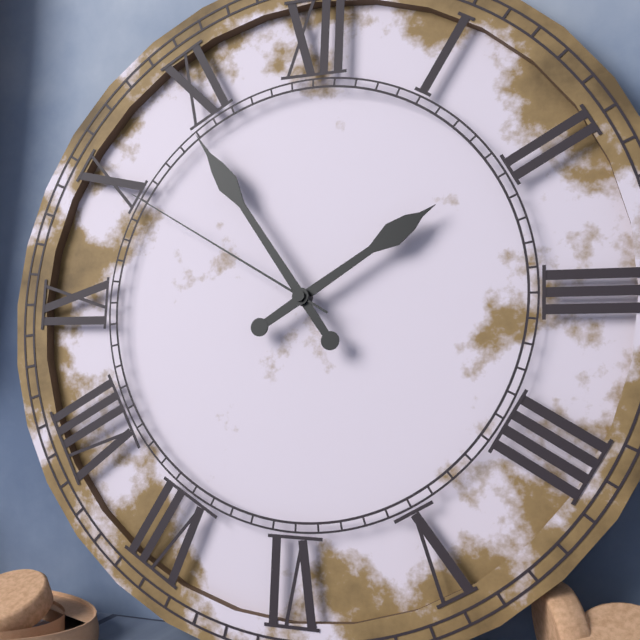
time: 1:54:50
